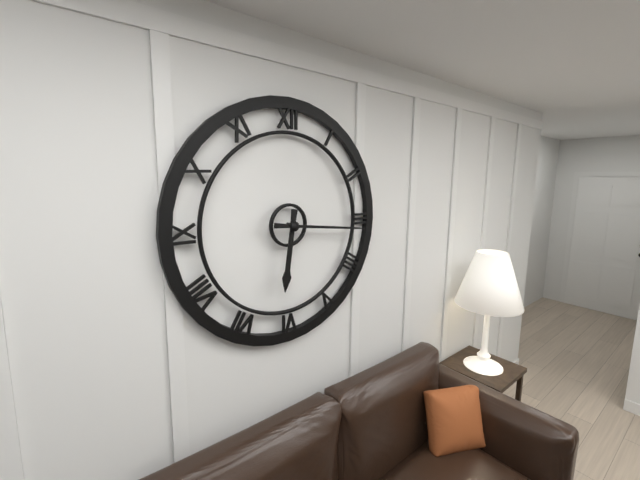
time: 6:16
